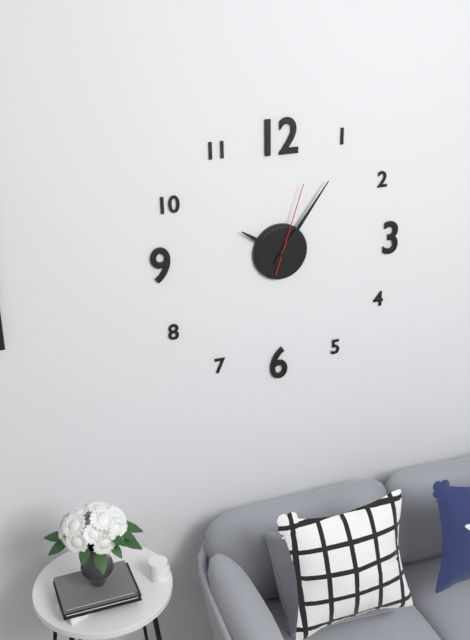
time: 10:06:03
